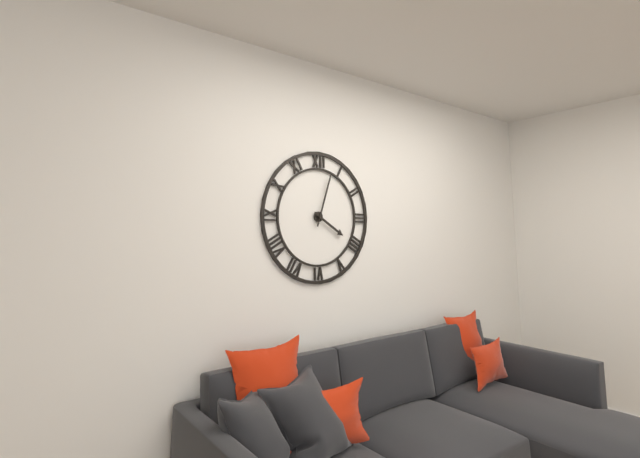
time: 4:03
